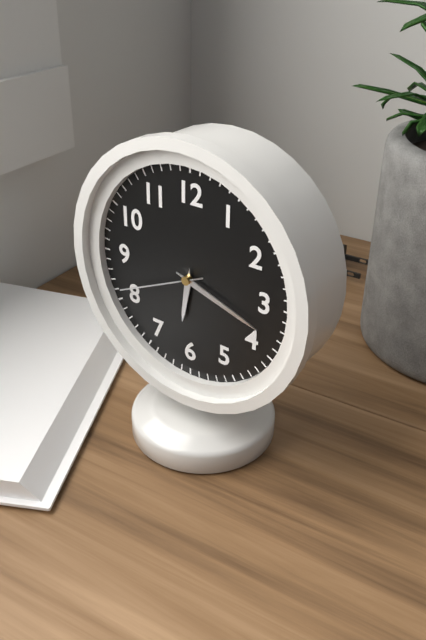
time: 6:18:41
